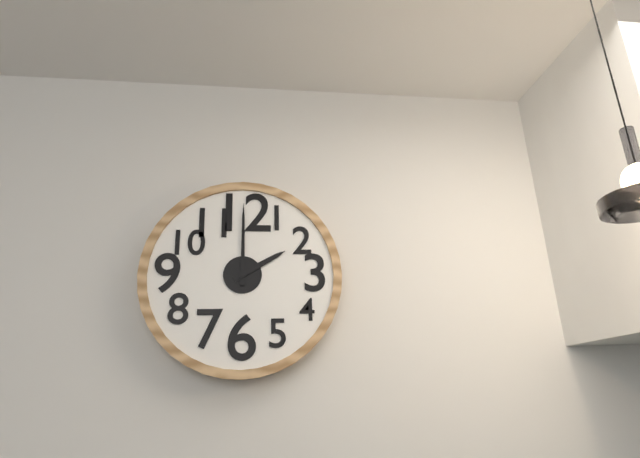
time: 2:00
